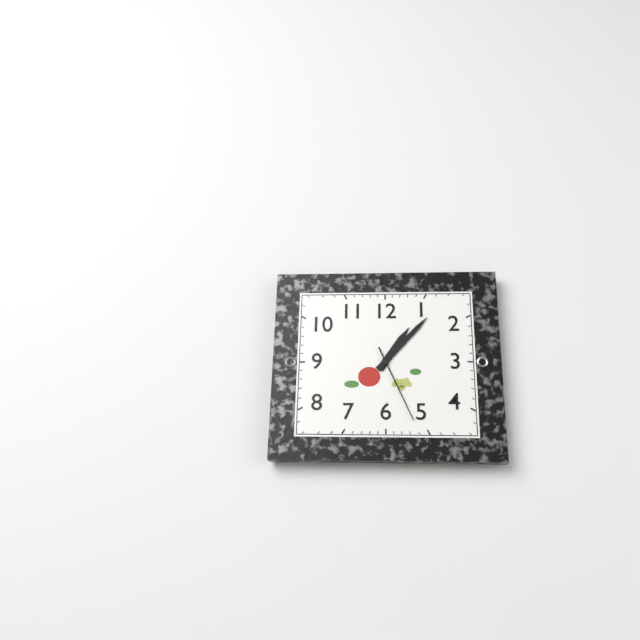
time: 1:07:26
